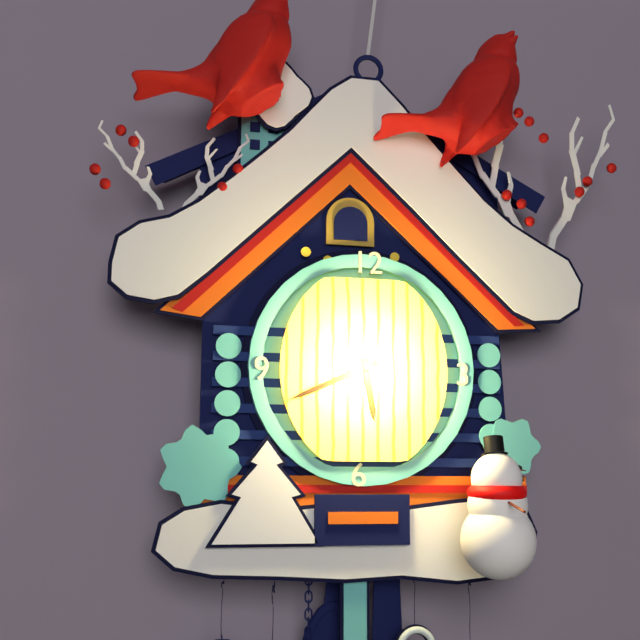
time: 5:41
